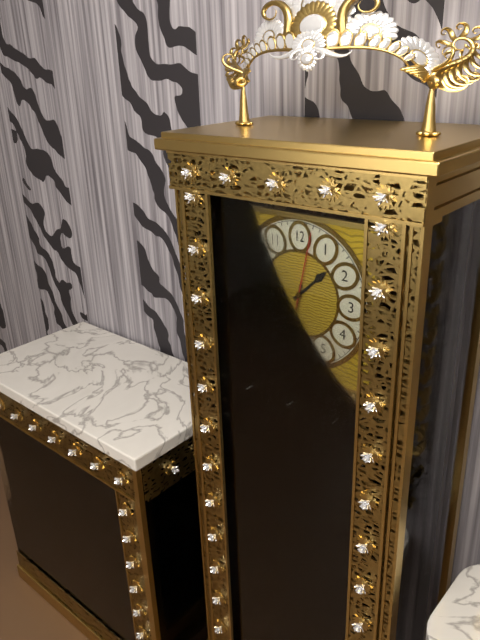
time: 1:32:02
